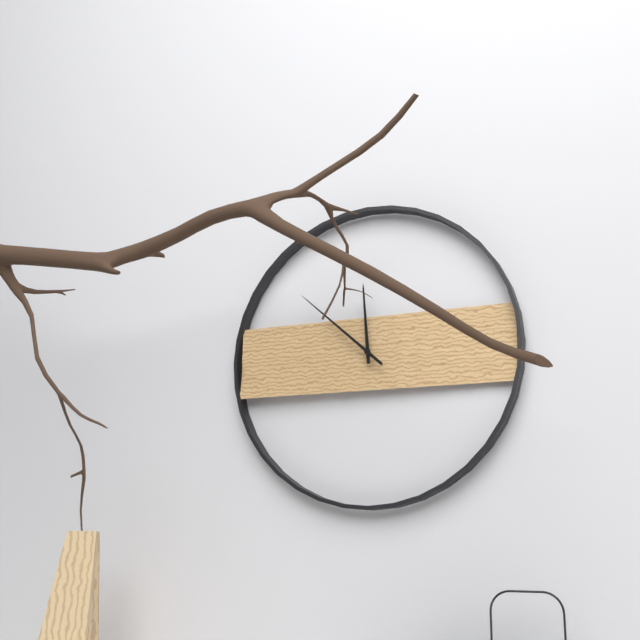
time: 11:52
